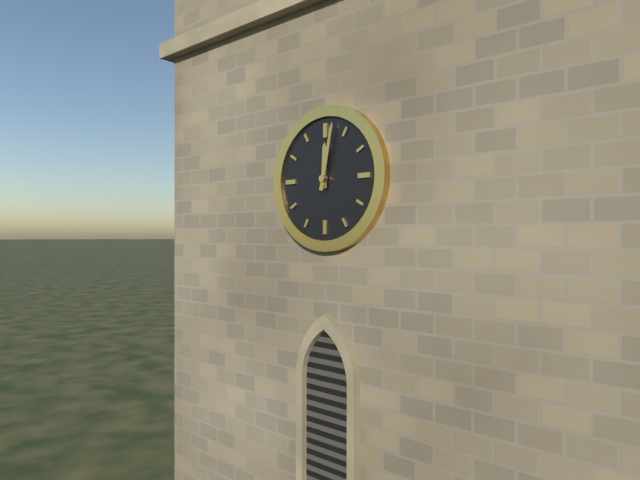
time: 12:02
